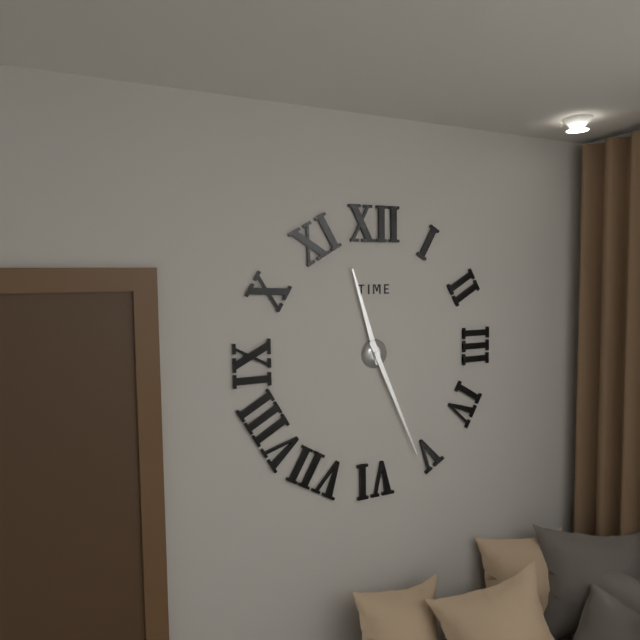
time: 11:26
